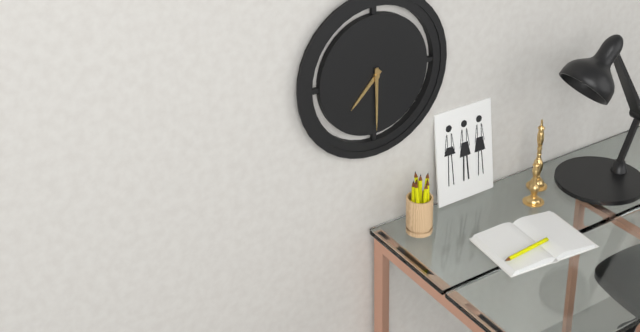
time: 7:30
